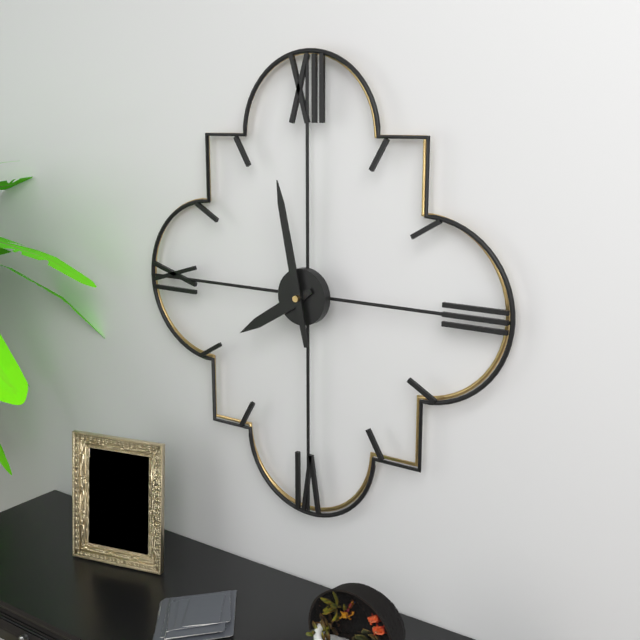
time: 7:58
